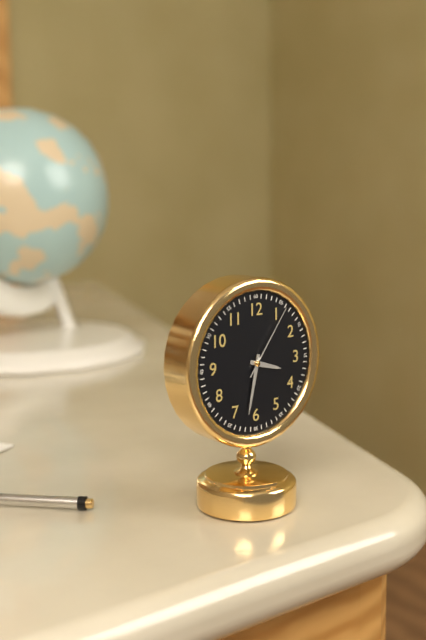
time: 3:32:06
